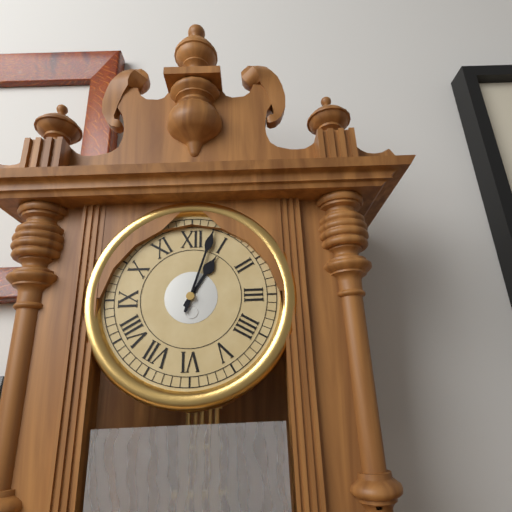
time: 1:03
